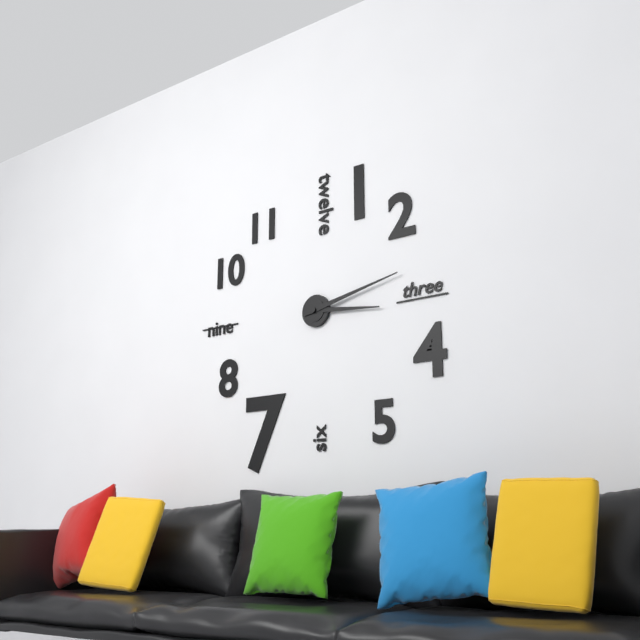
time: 3:13
